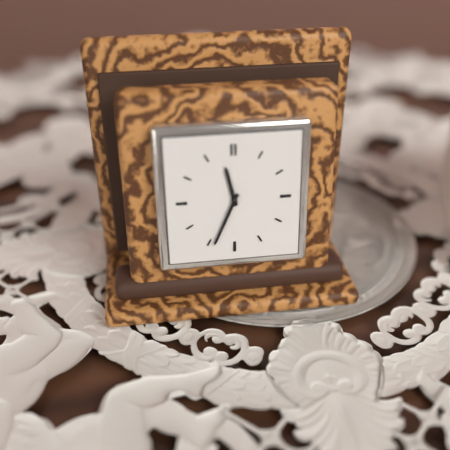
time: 11:34
